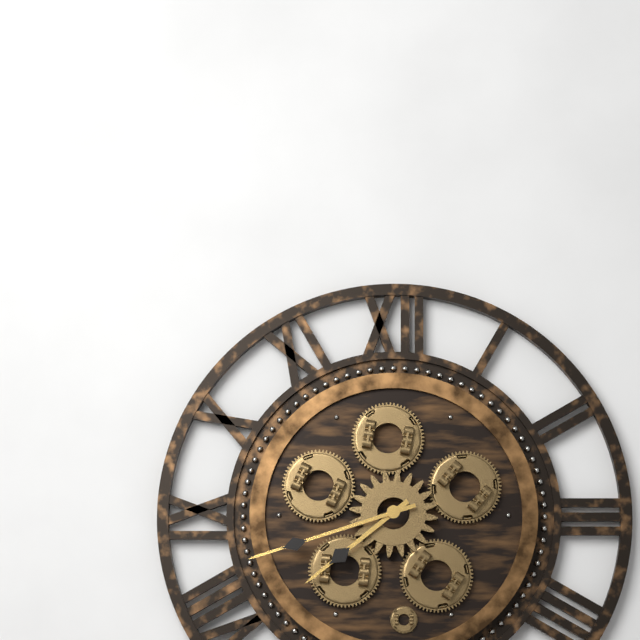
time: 7:42
